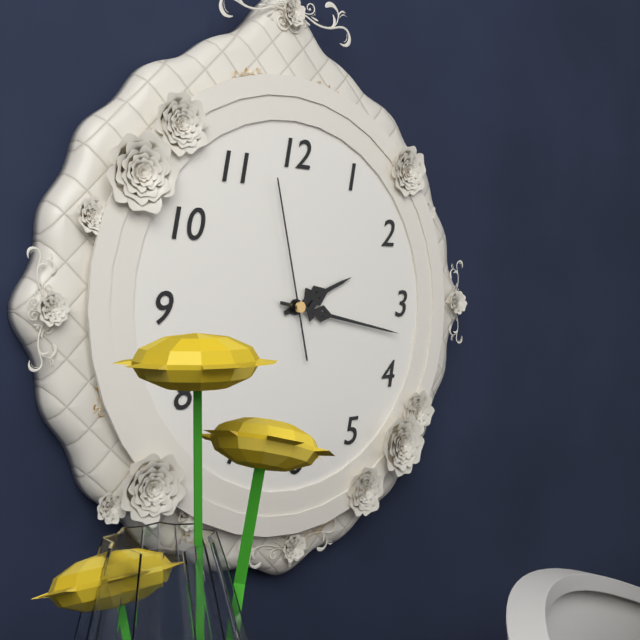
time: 2:17:58
